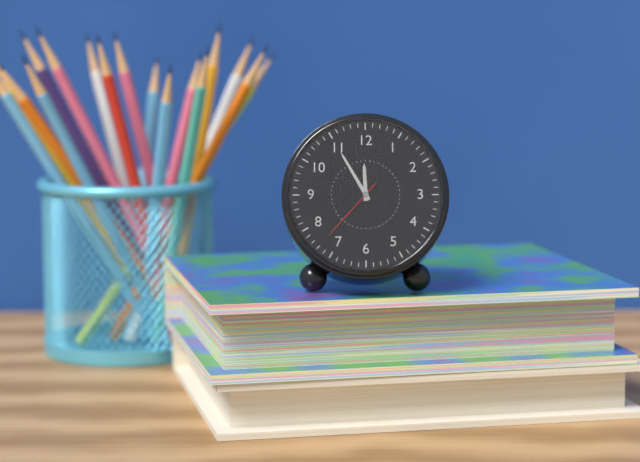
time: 11:55:37
